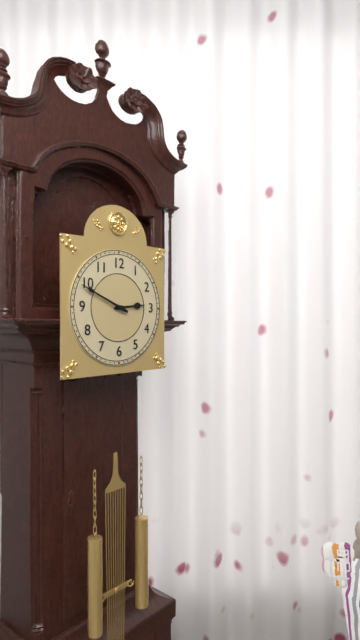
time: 2:49
